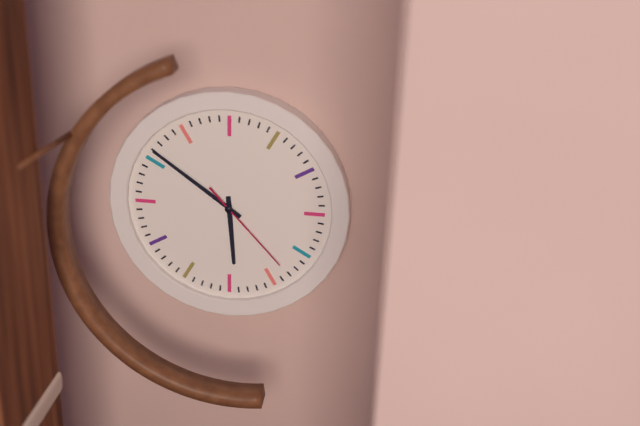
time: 5:51:23
